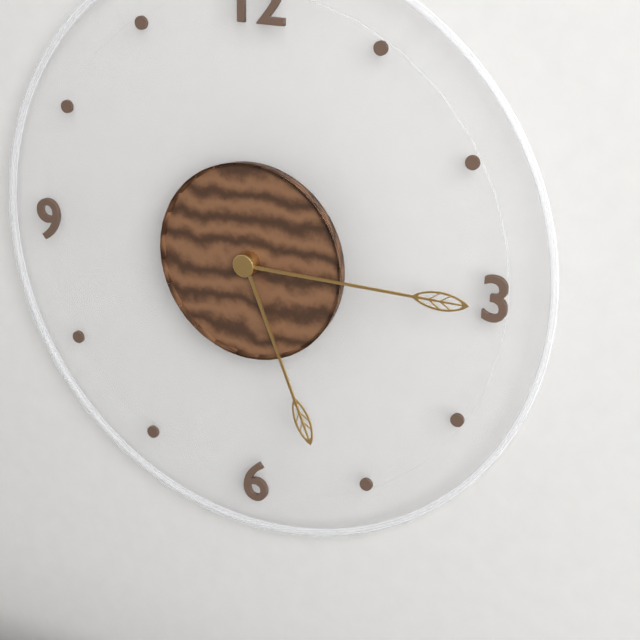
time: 5:15
